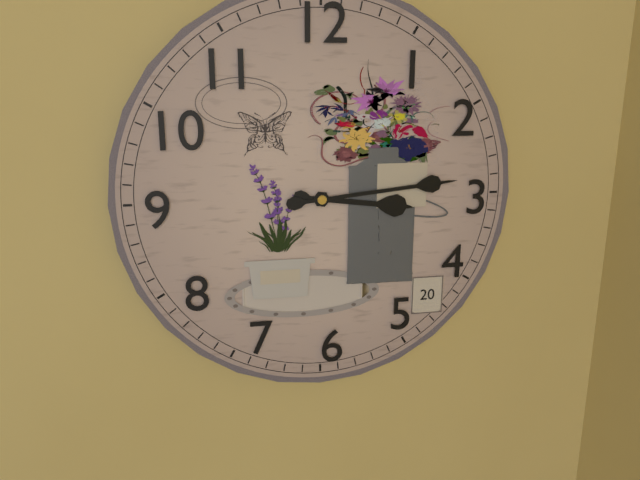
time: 3:14
